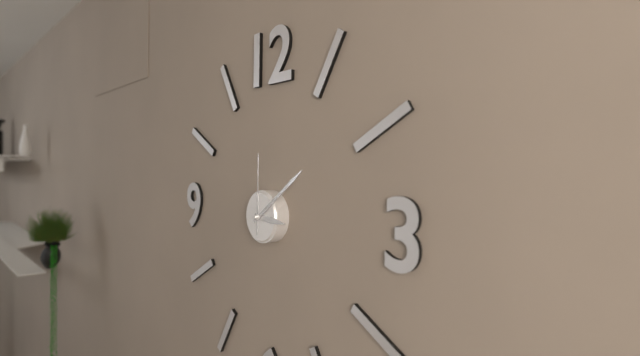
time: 3:09:00
